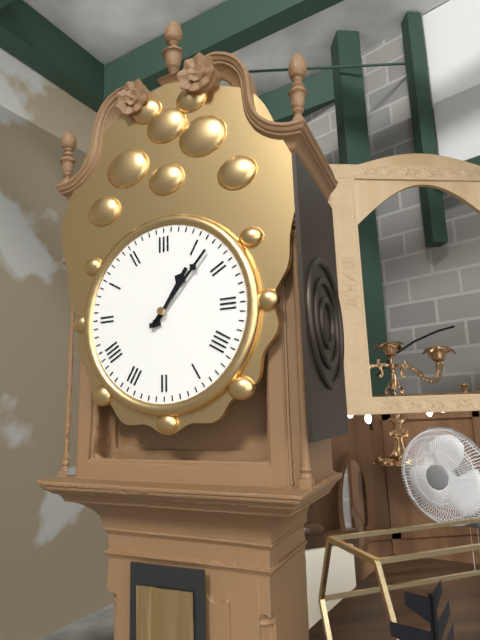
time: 1:07
